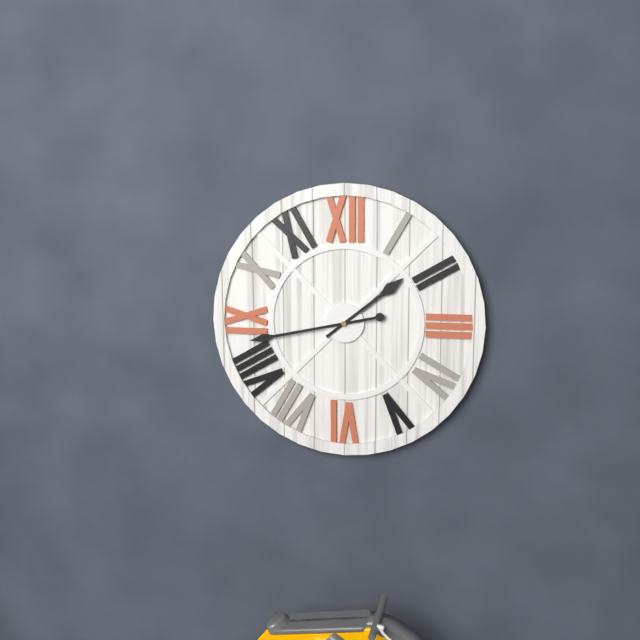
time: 1:43
